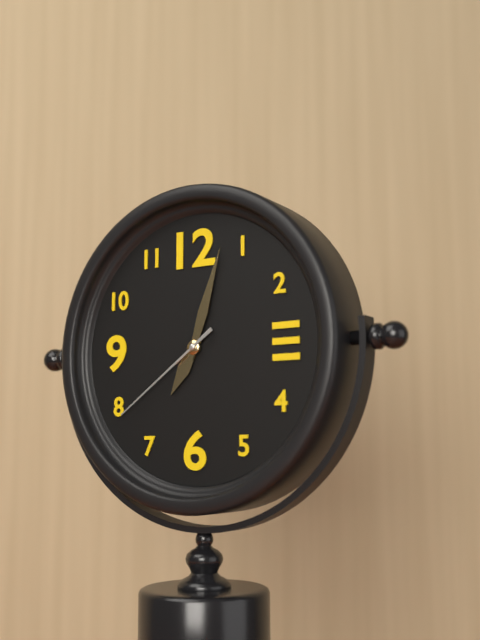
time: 7:03:39
